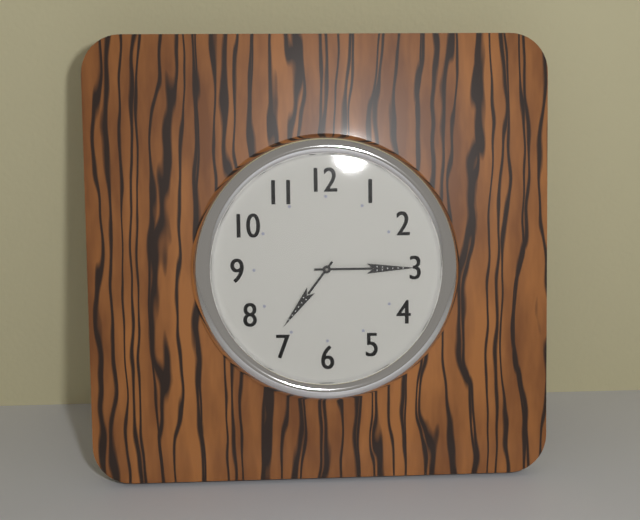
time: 7:15
